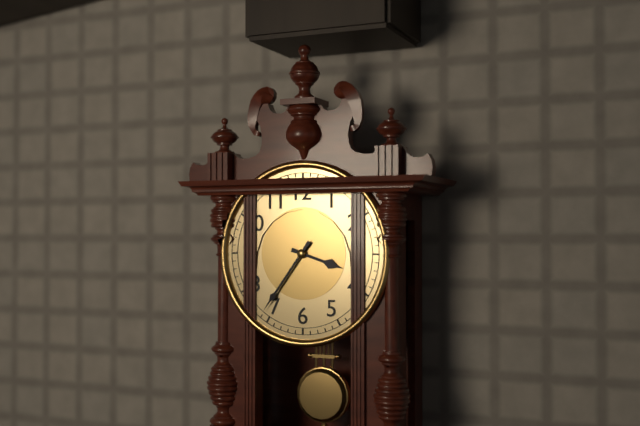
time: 3:36
